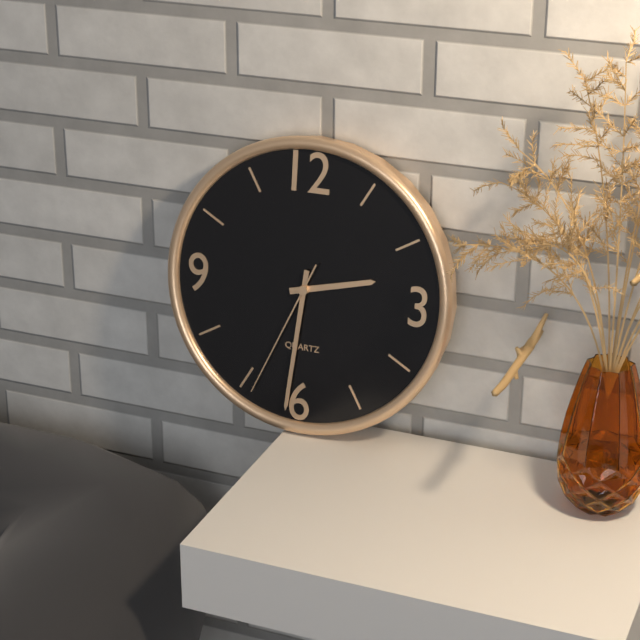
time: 2:31:34
